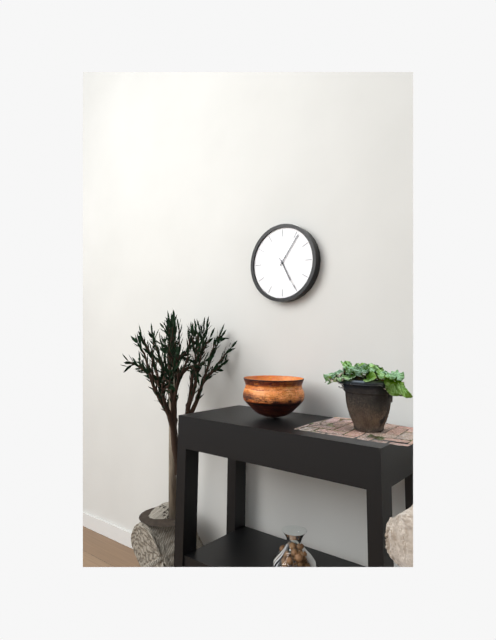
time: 5:06
